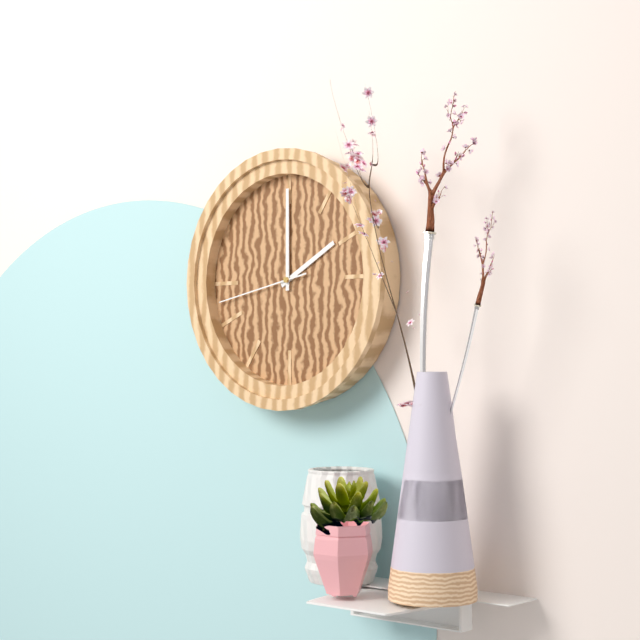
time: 2:00:43
